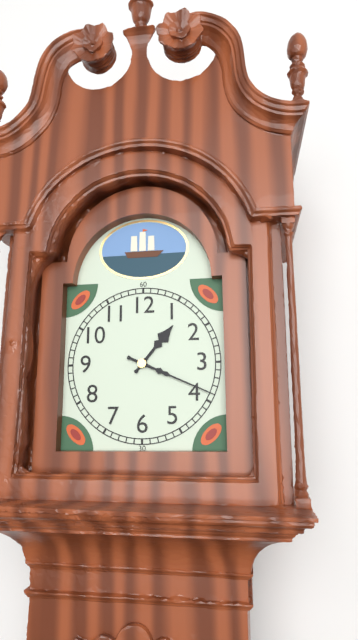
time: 1:19
